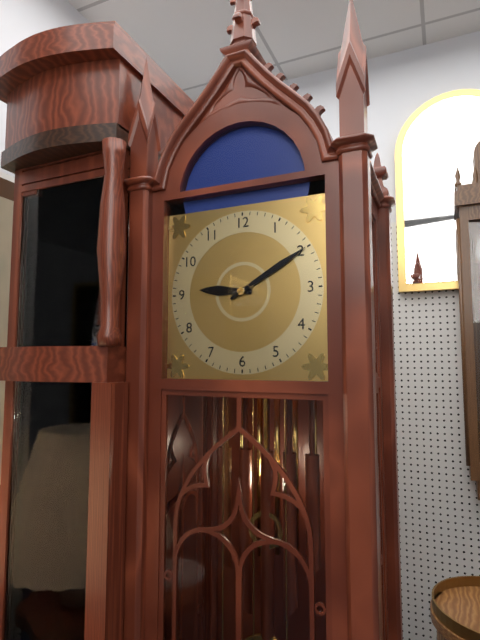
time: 9:10
